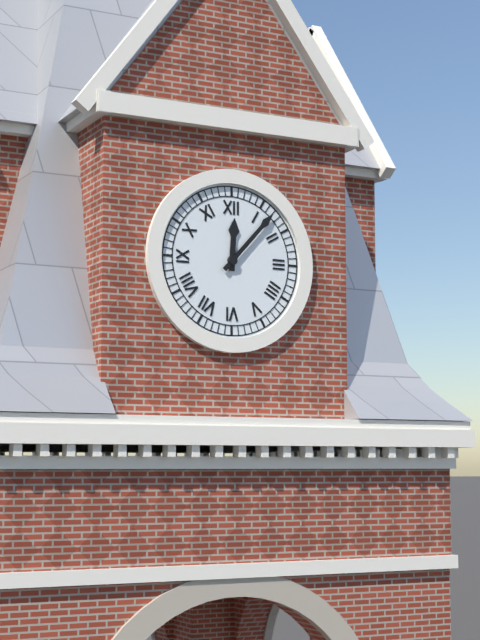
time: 12:07
